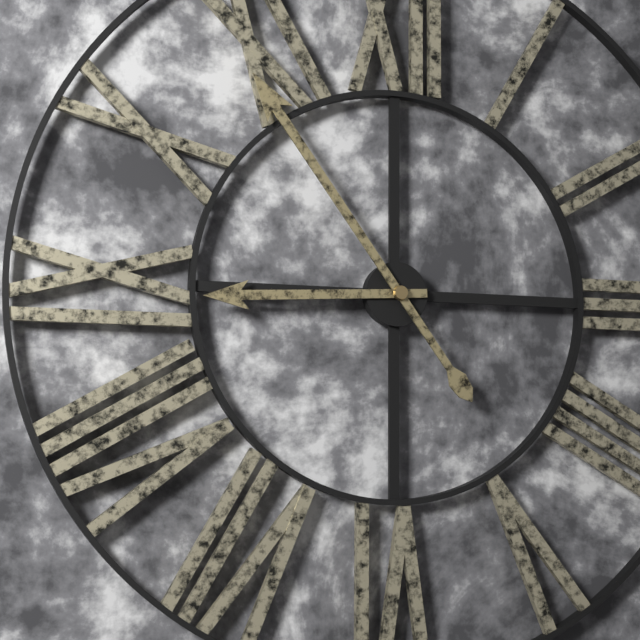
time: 8:54
